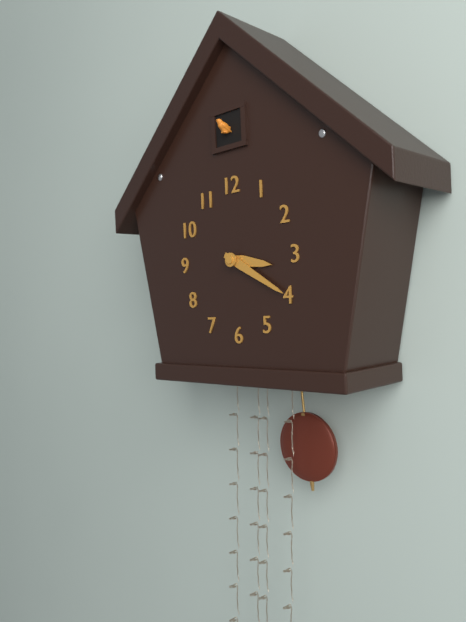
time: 3:20
